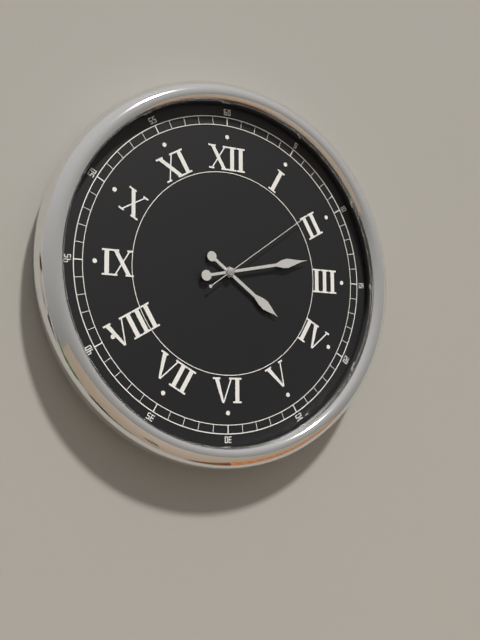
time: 4:13:09
